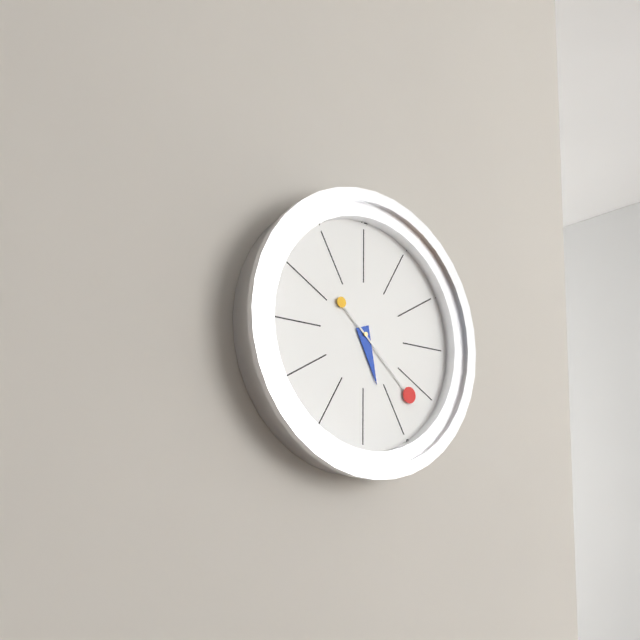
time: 5:22
